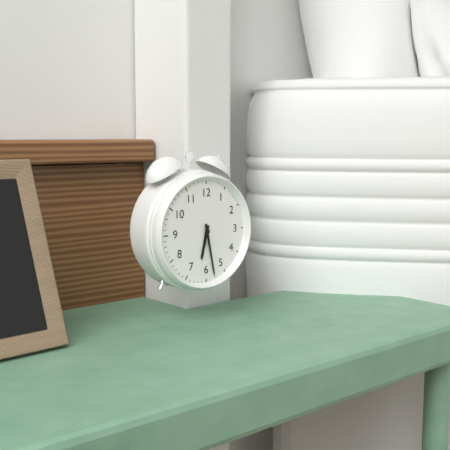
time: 6:28
